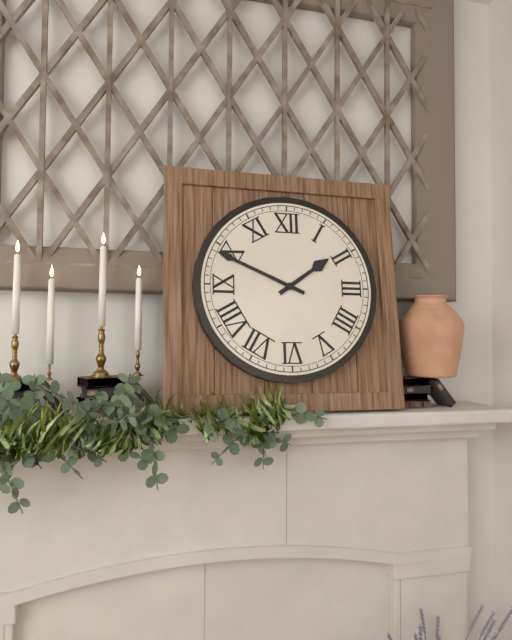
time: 1:49
